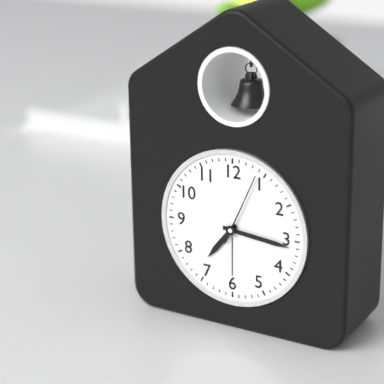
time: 7:16:04
